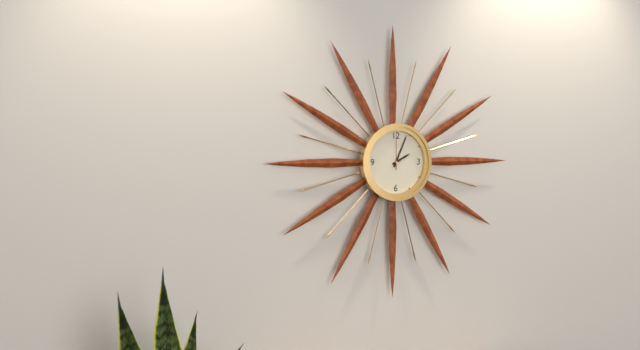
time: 2:04
